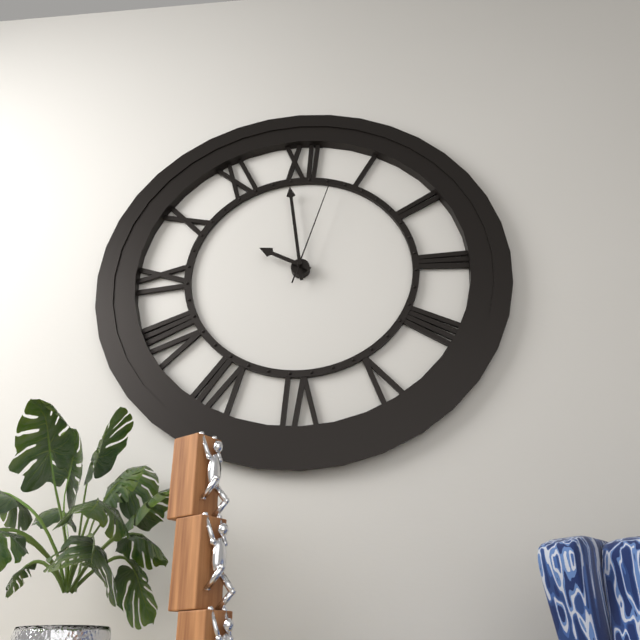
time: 9:59:03
